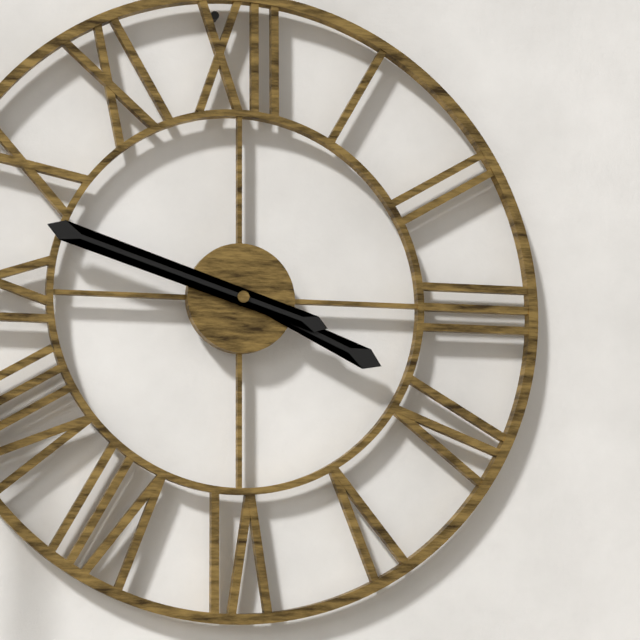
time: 3:48
